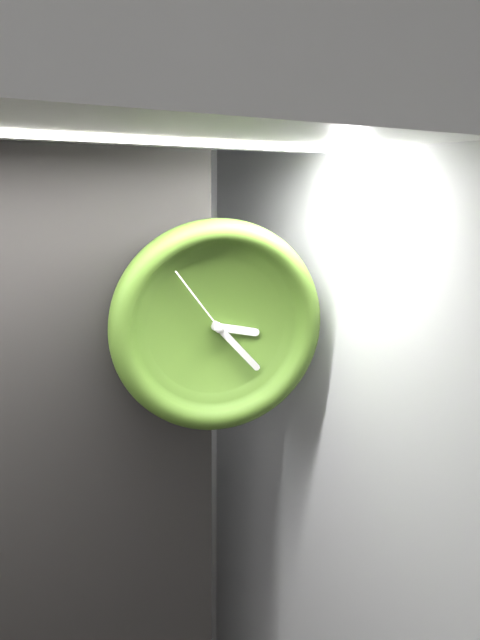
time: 3:23:54
